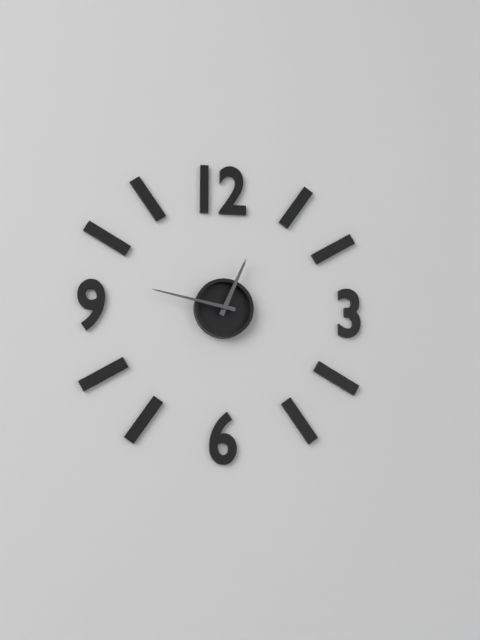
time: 12:47
